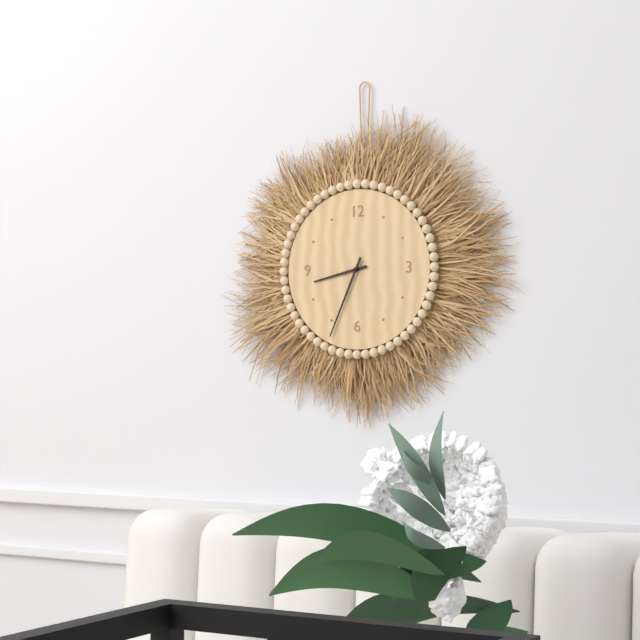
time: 8:34
